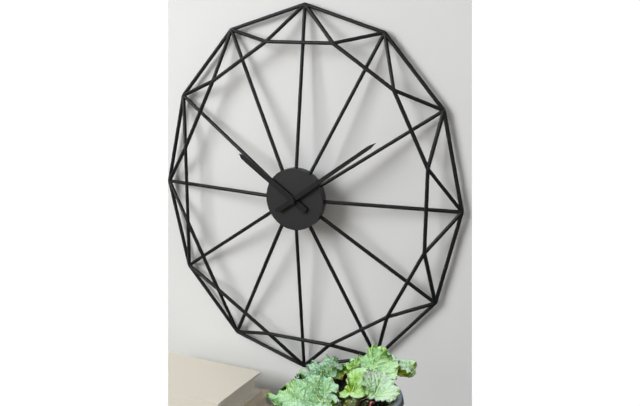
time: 10:09
